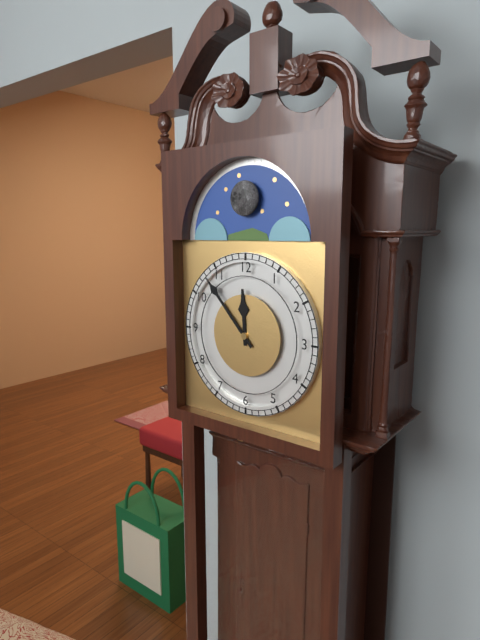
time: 11:53
